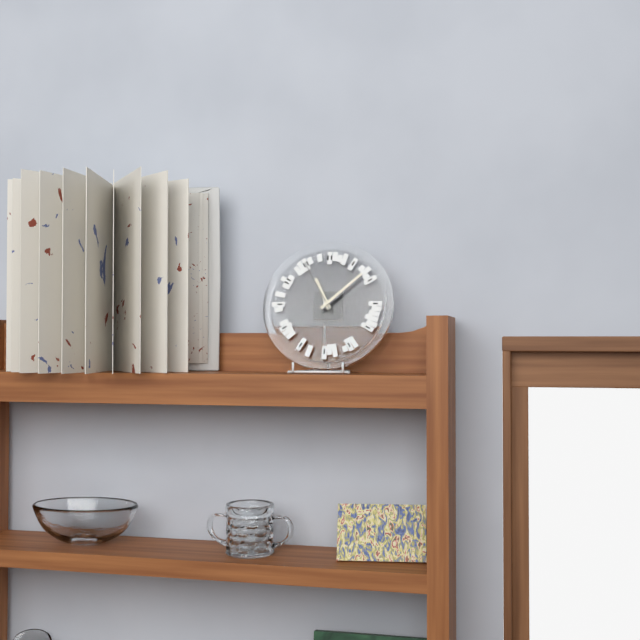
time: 11:08:55
